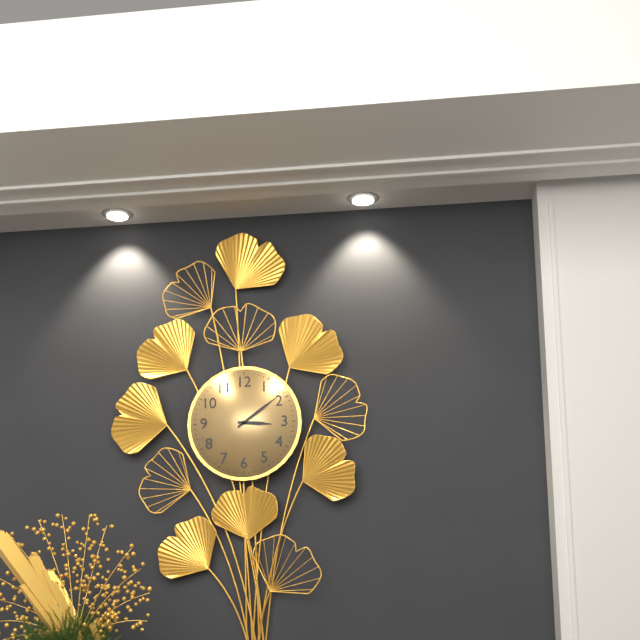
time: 3:09
